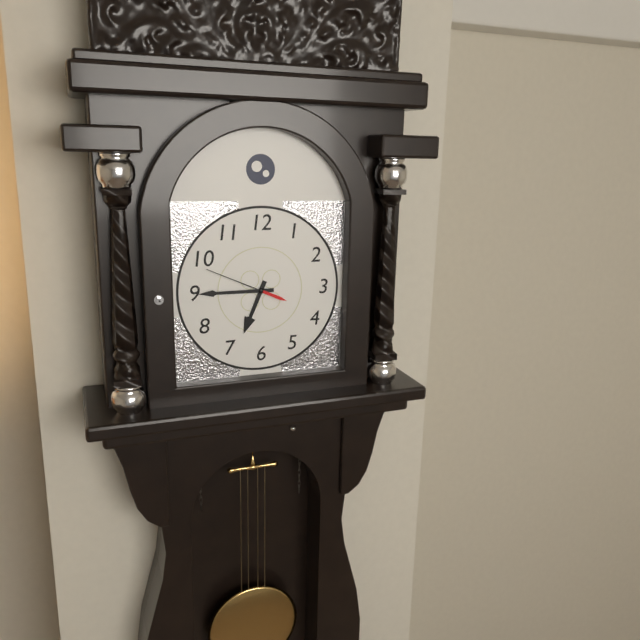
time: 6:45
